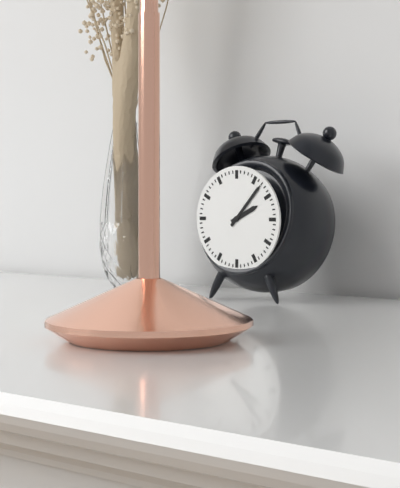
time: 2:07
